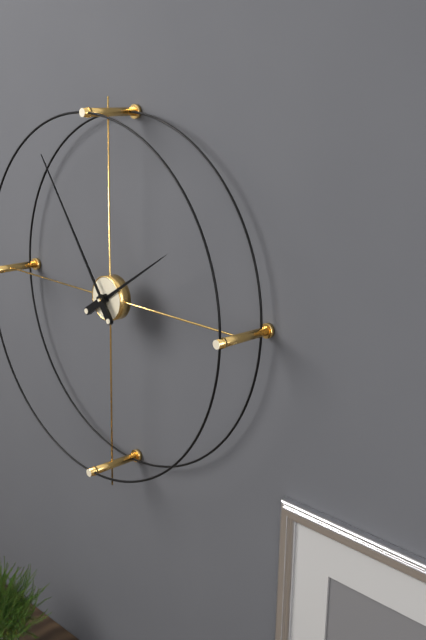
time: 1:54
